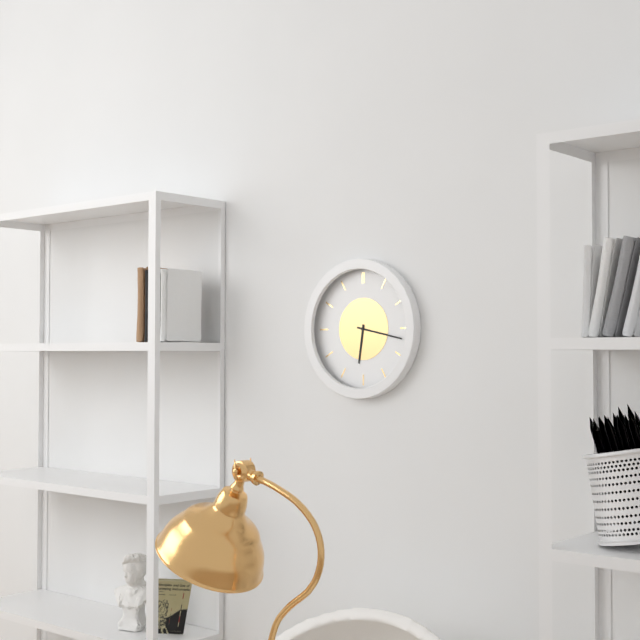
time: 6:17
